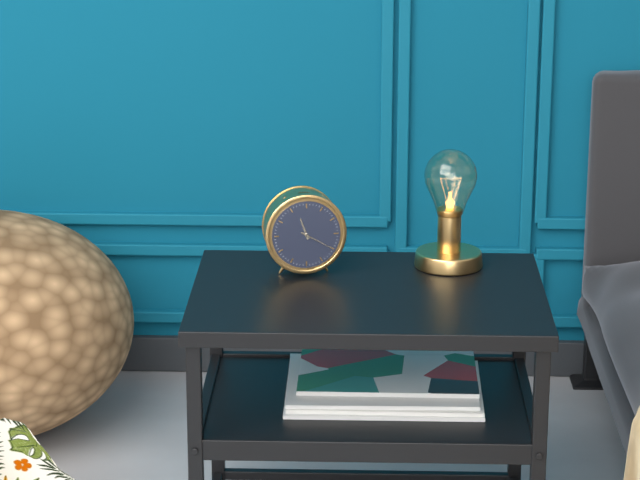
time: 11:20
